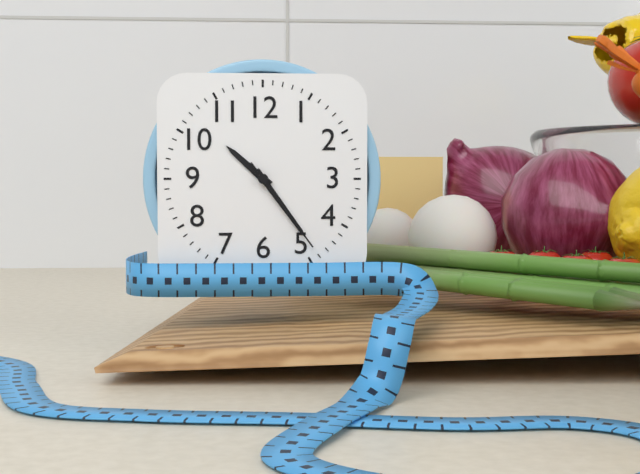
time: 10:24:24
